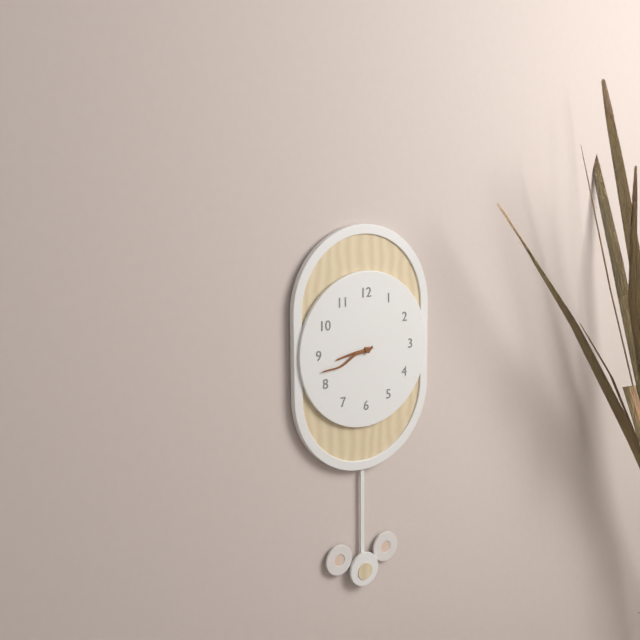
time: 8:42
